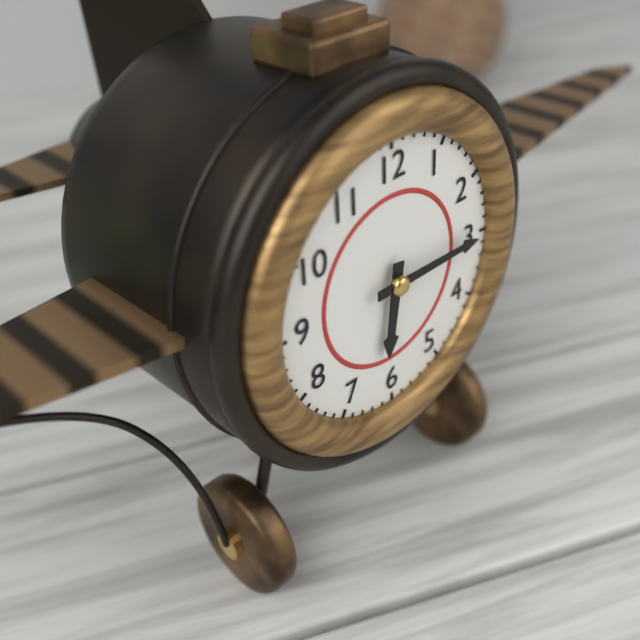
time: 6:15
